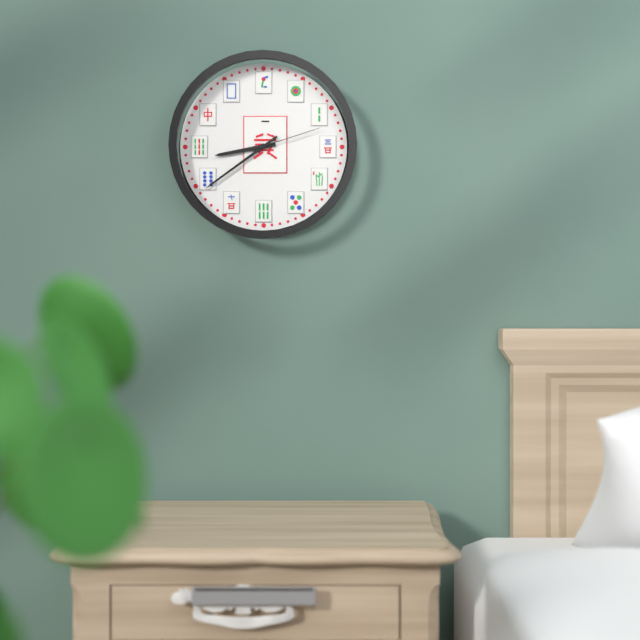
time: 8:39:12
